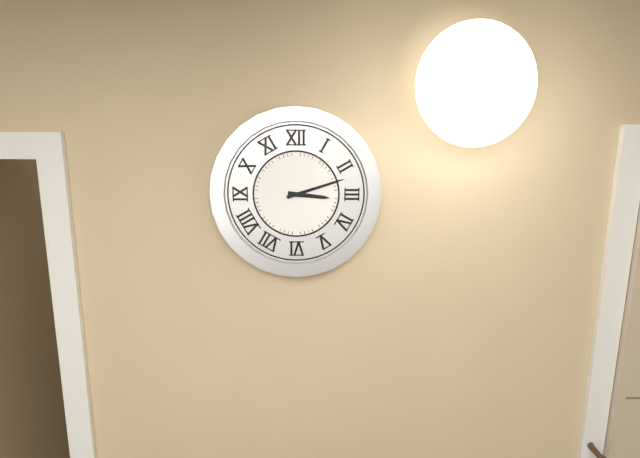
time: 3:12
